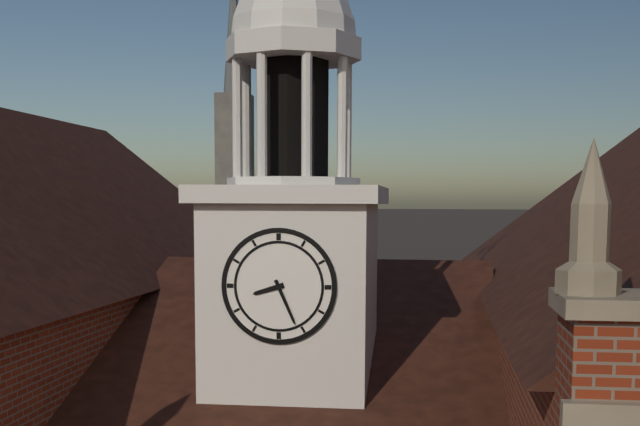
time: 8:26
